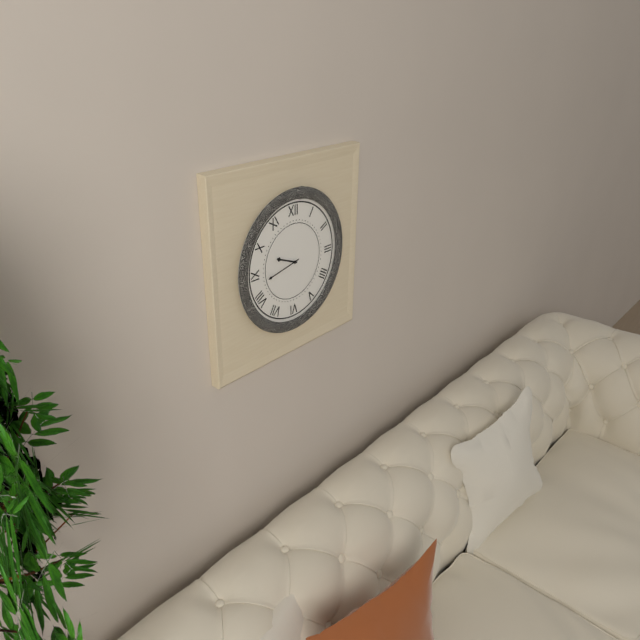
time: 9:43
